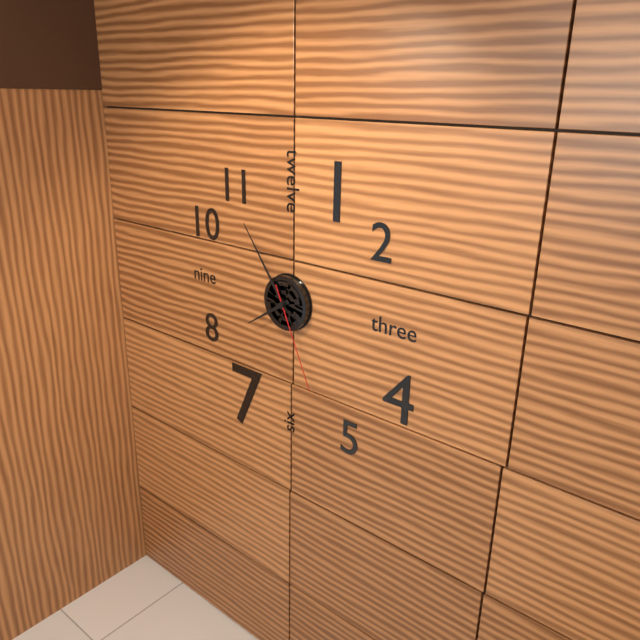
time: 7:54:26
